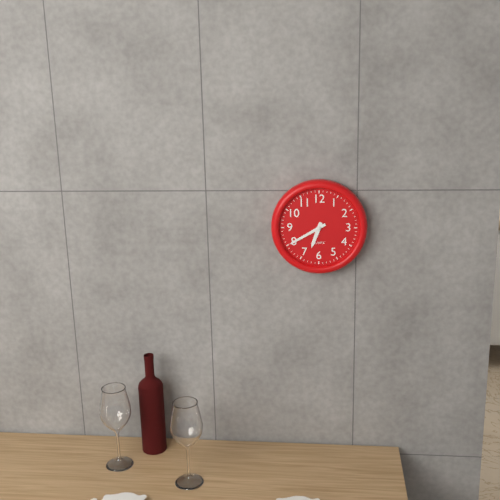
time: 6:40
